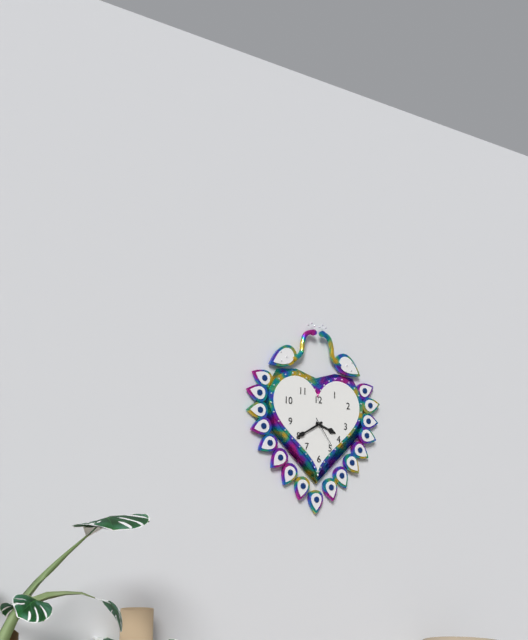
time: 3:40
